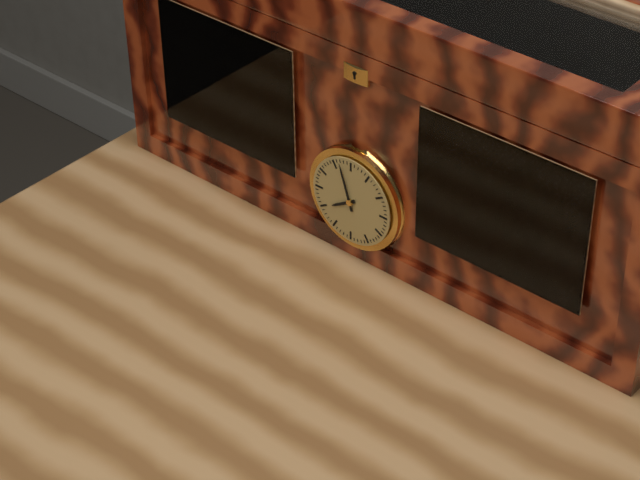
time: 7:57
